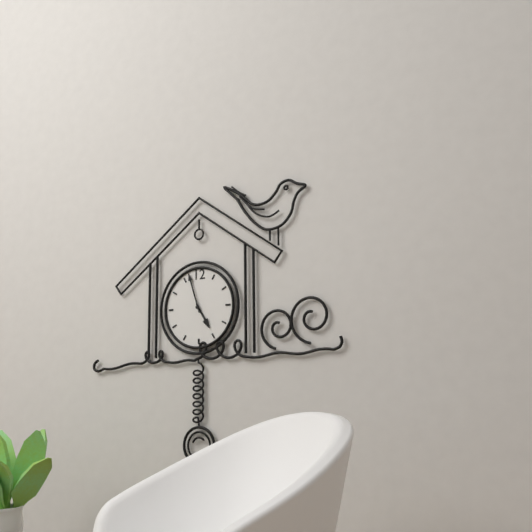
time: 4:57
